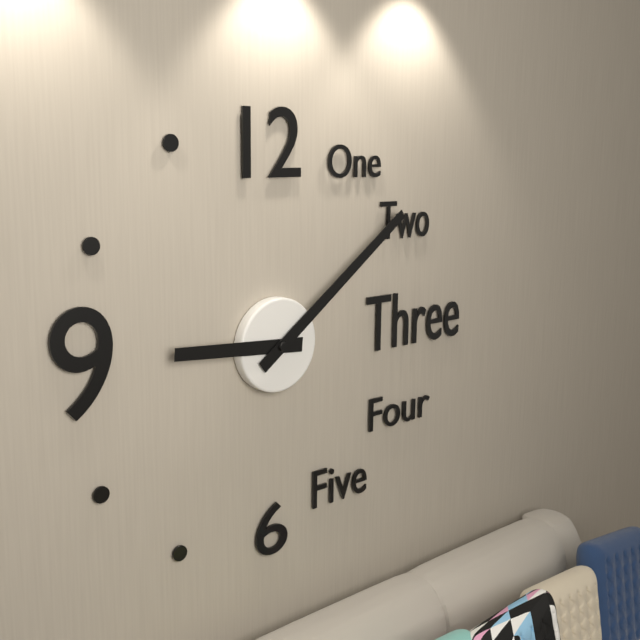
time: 9:09
